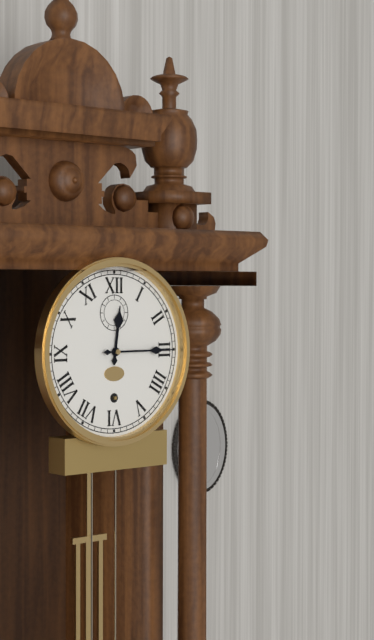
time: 12:15
